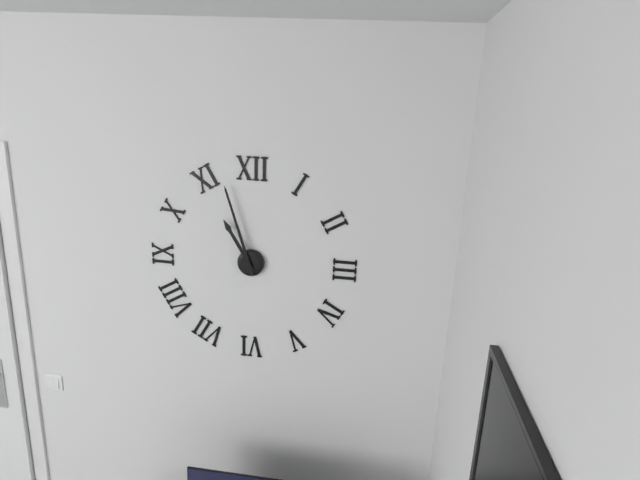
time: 10:57
